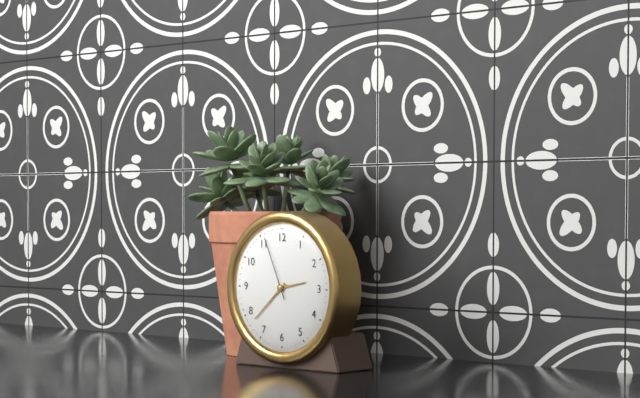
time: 2:38:56
